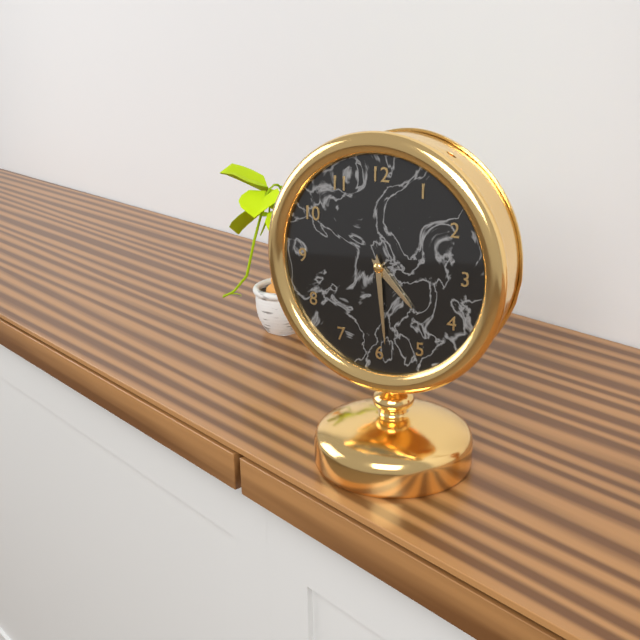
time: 4:29
